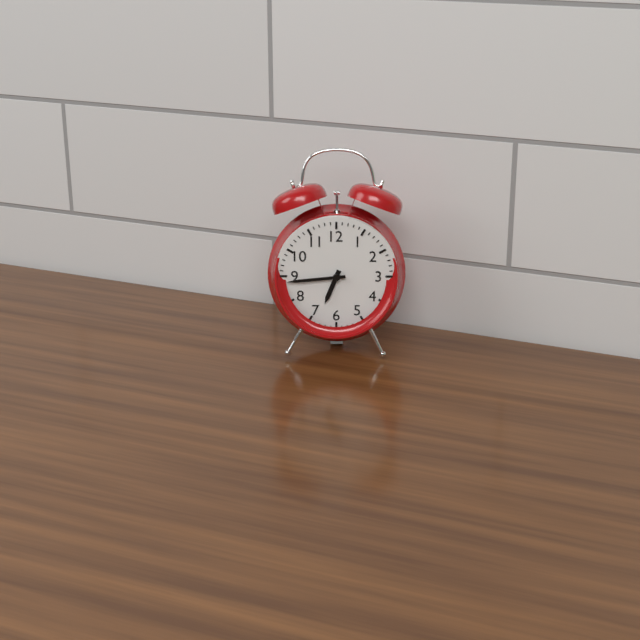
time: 6:44
